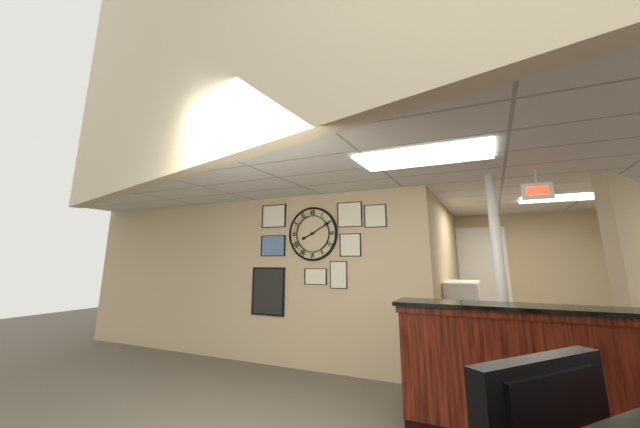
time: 8:10
